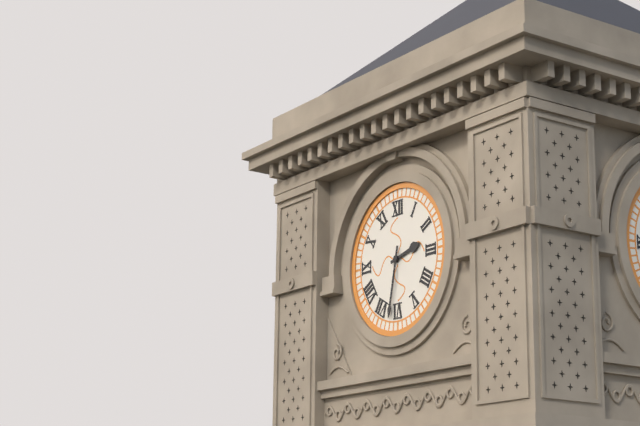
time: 2:32
